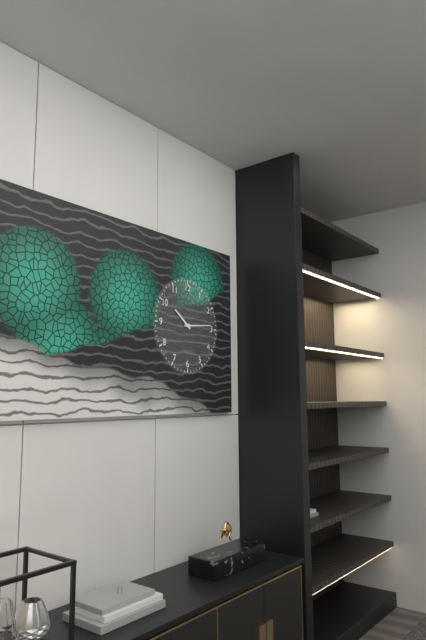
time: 10:14
